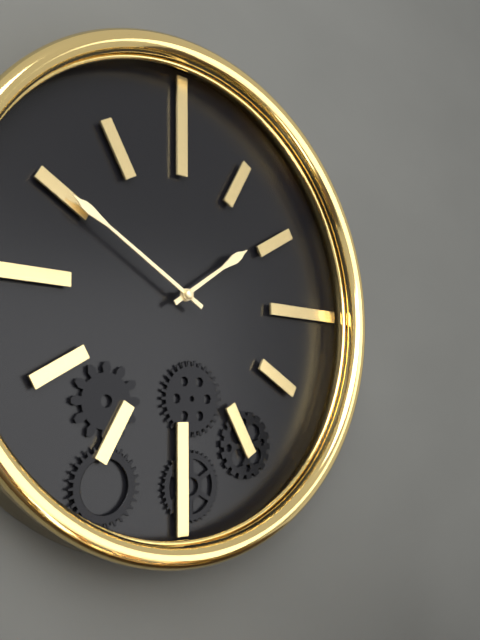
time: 1:50
